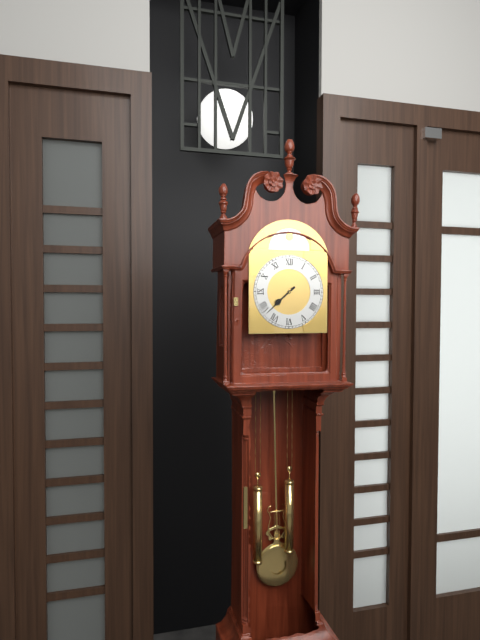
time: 7:38
